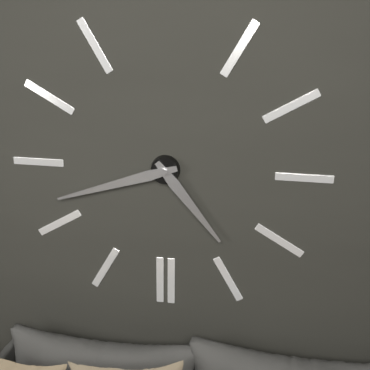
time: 4:42
